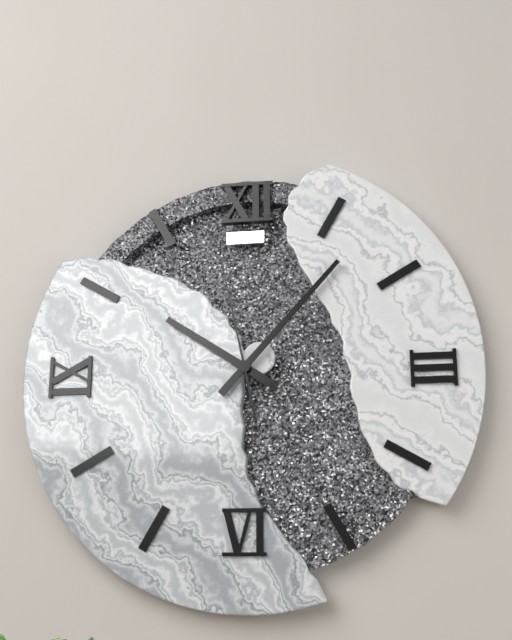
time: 10:07:58
